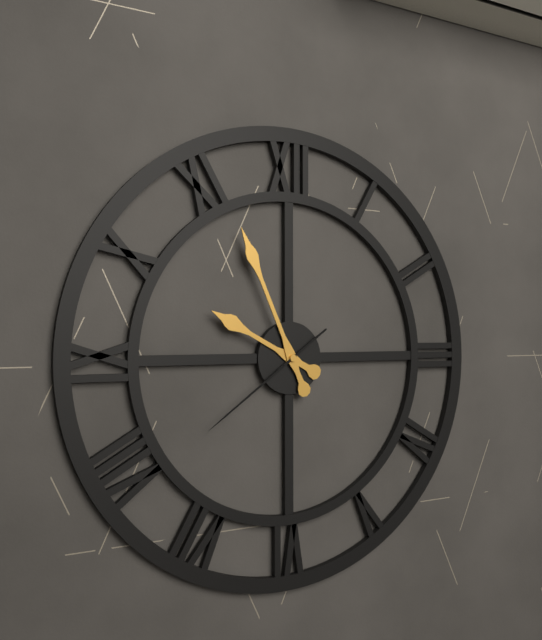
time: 9:56:39
